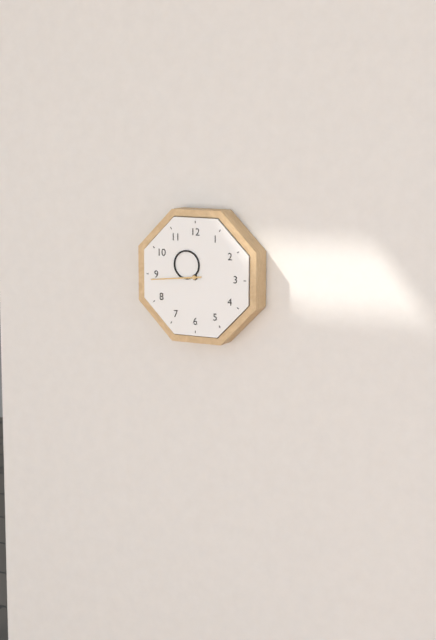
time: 10:44
